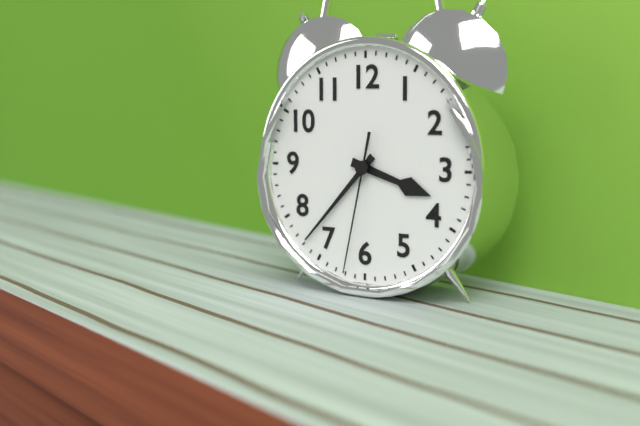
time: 3:37:32
